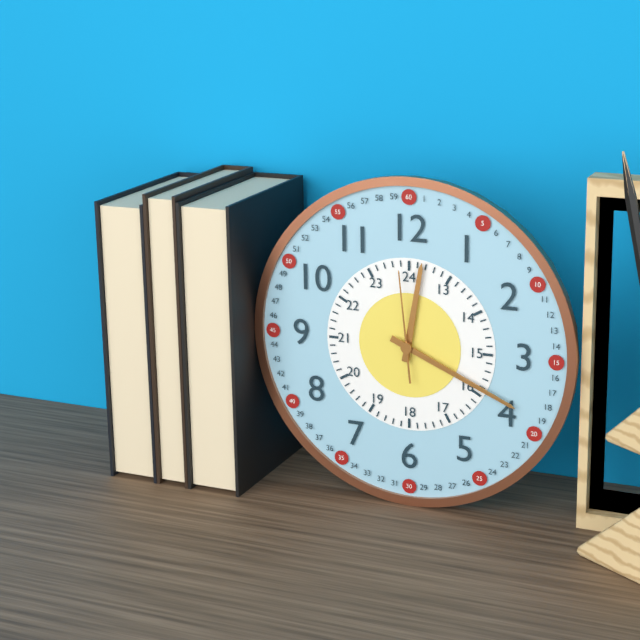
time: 12:19:59
